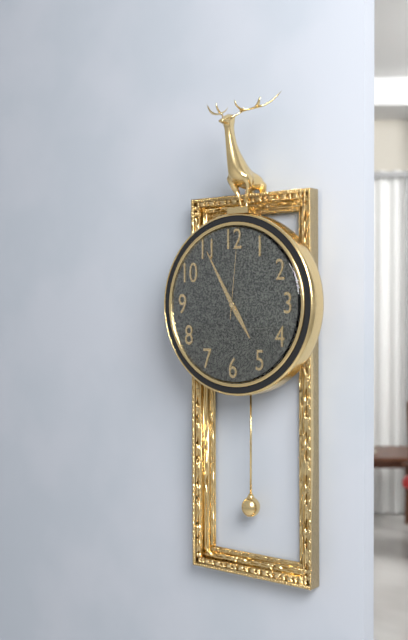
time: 4:55:01
